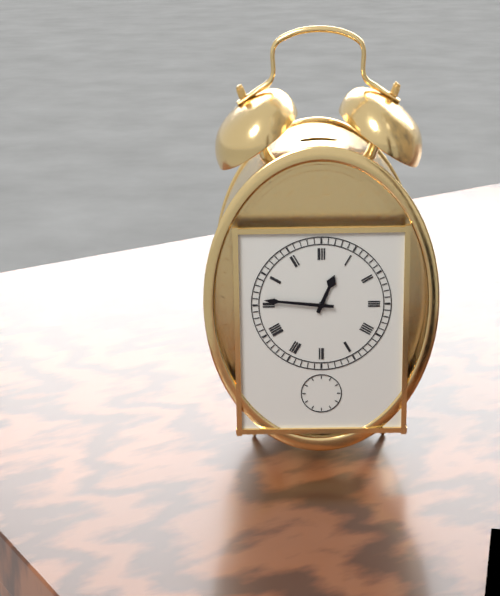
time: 12:46
